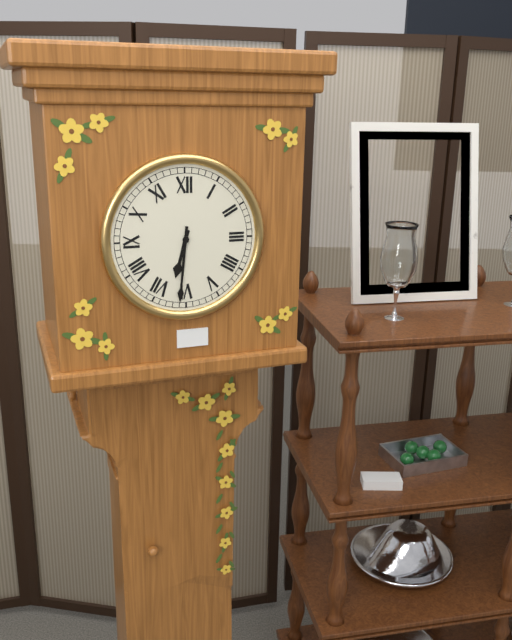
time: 6:31
